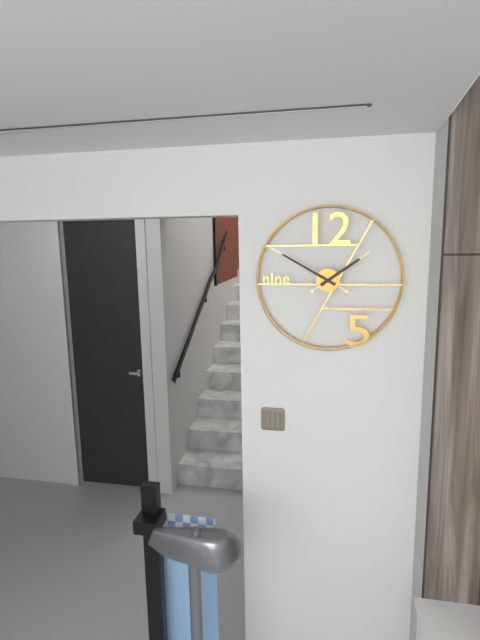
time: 1:50
